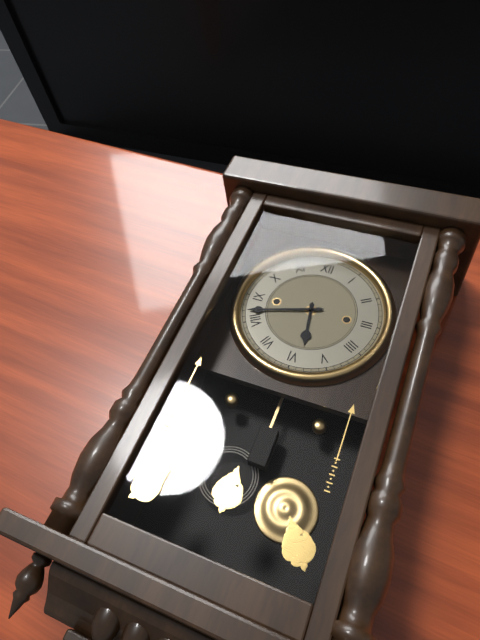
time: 5:42
